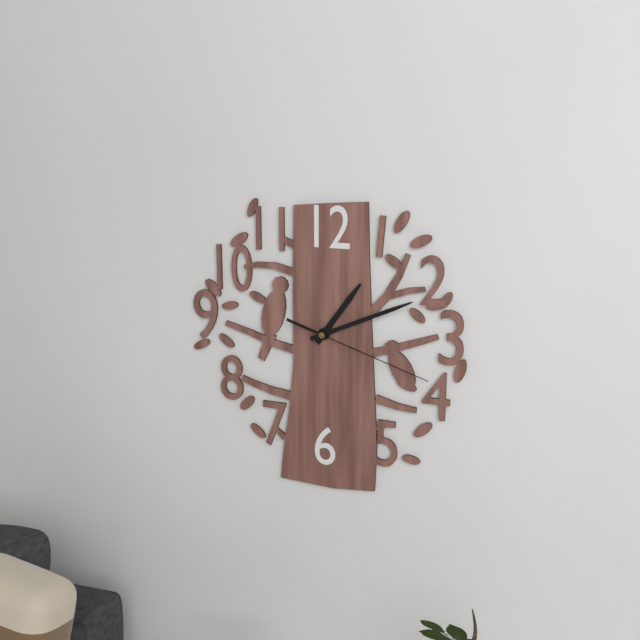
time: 1:11:18
